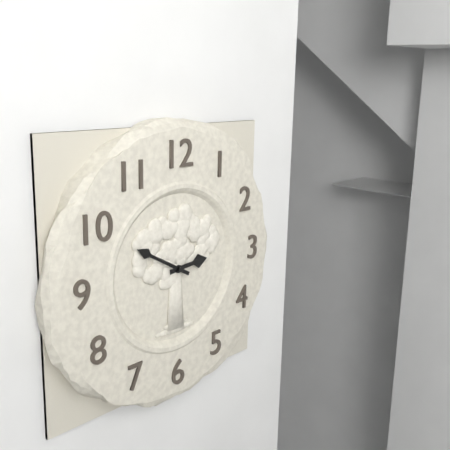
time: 2:50
